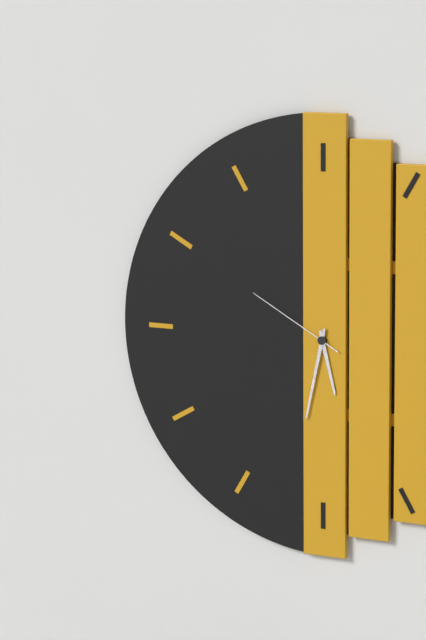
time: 5:32:50
